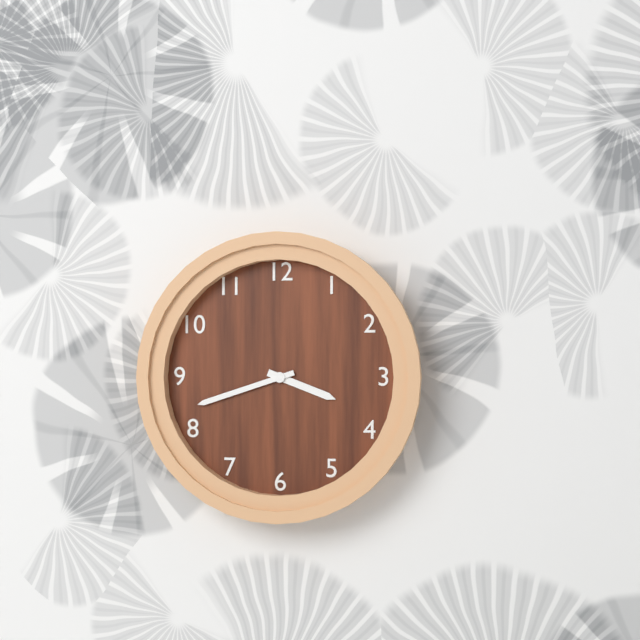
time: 3:42
